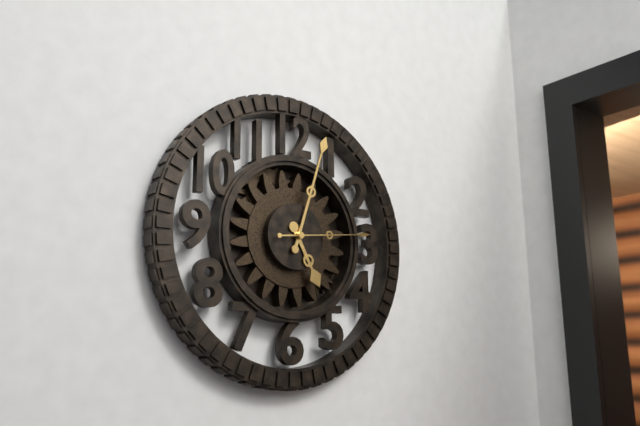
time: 5:03:14
